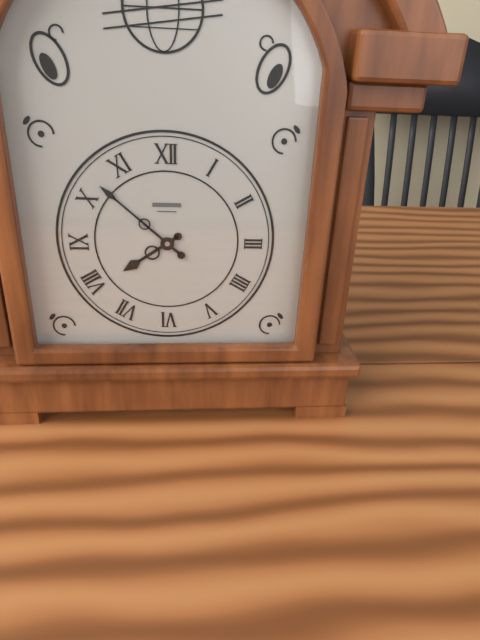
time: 7:52
